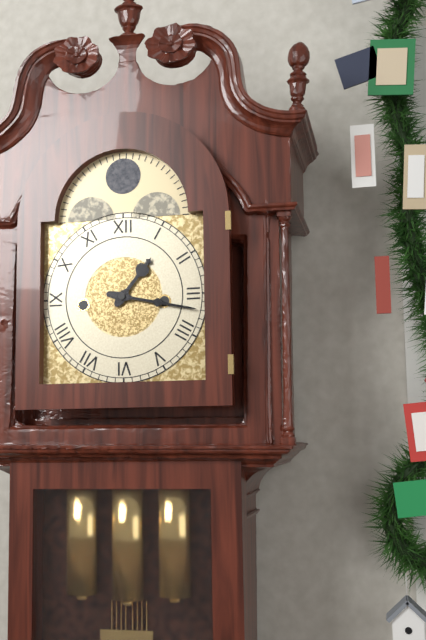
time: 1:17
